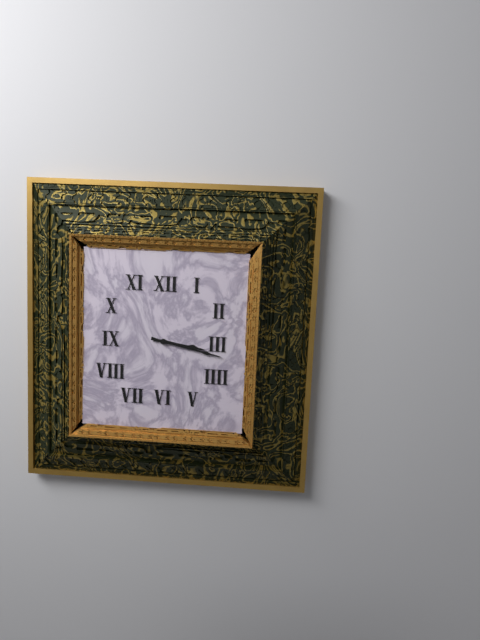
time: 3:17
